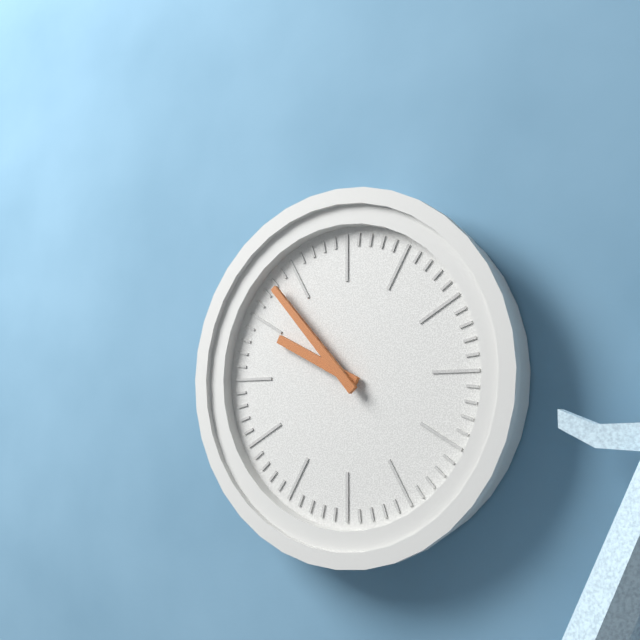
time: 9:53
